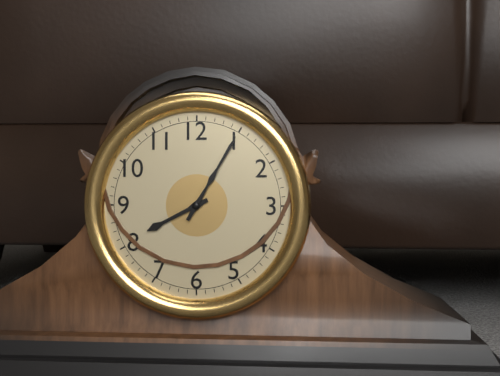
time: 8:05
